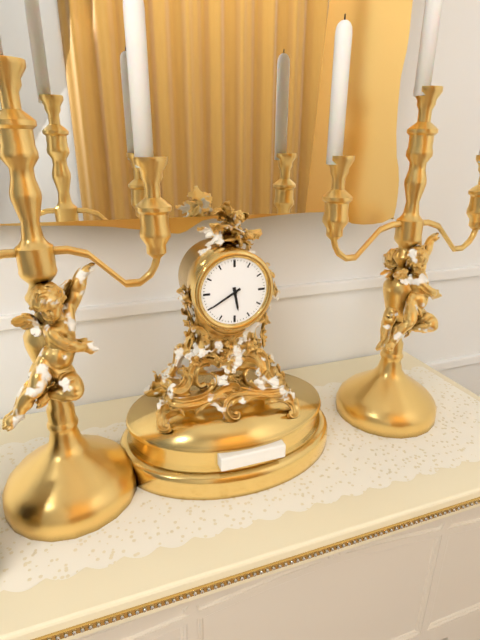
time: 5:40
